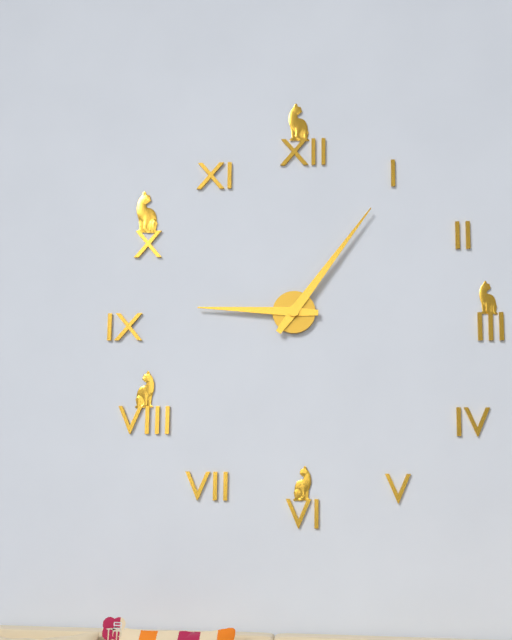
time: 9:06
